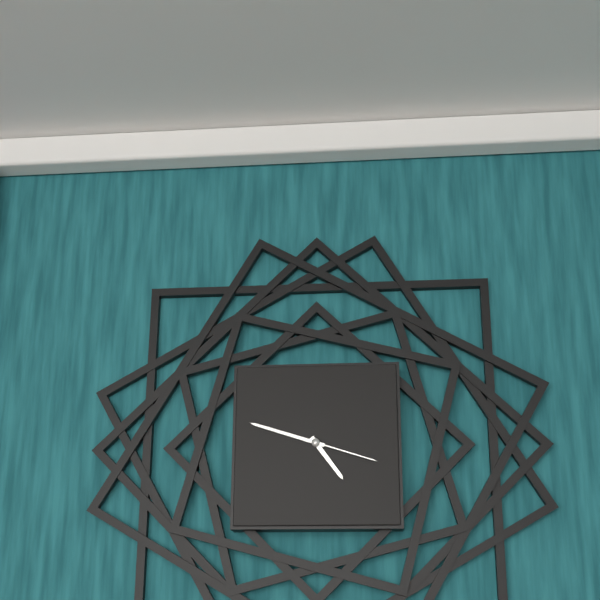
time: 4:48:18
